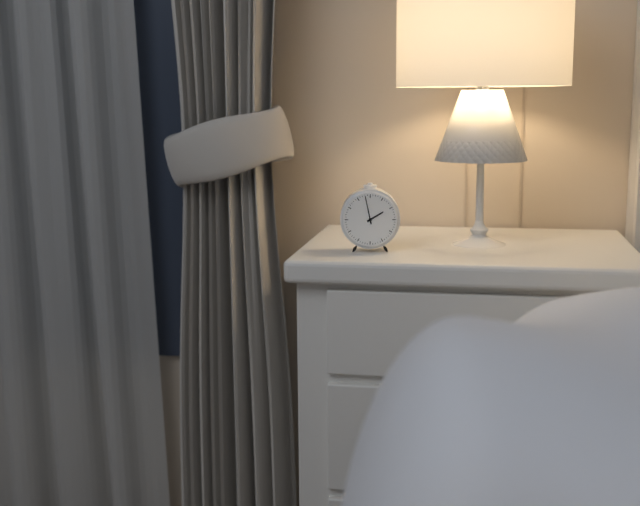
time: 1:58
